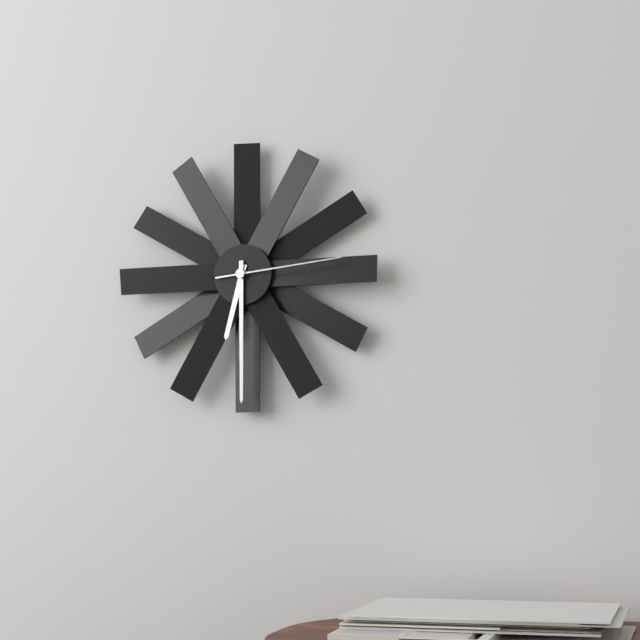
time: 6:30:14
